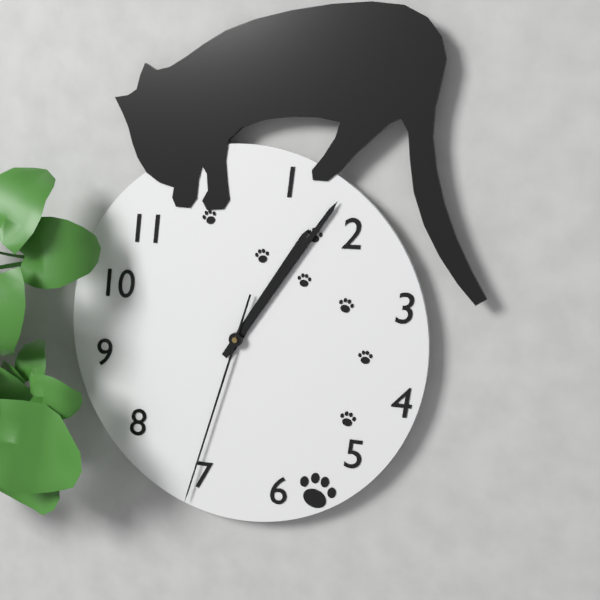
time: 1:06:33
